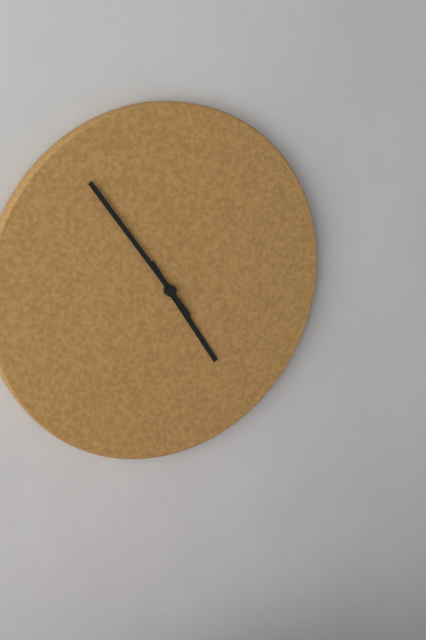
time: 4:54
